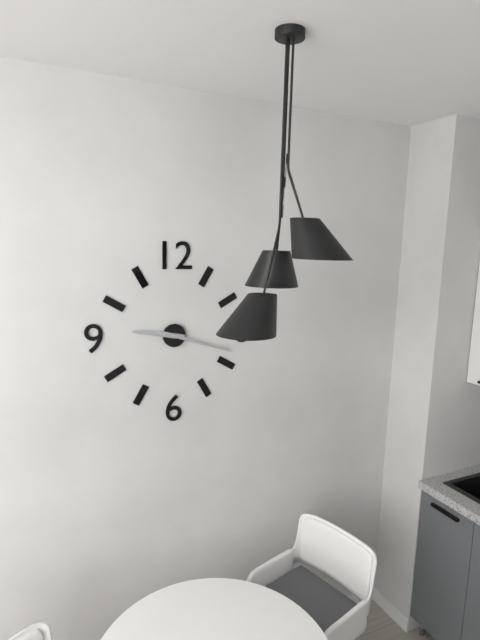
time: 9:18
